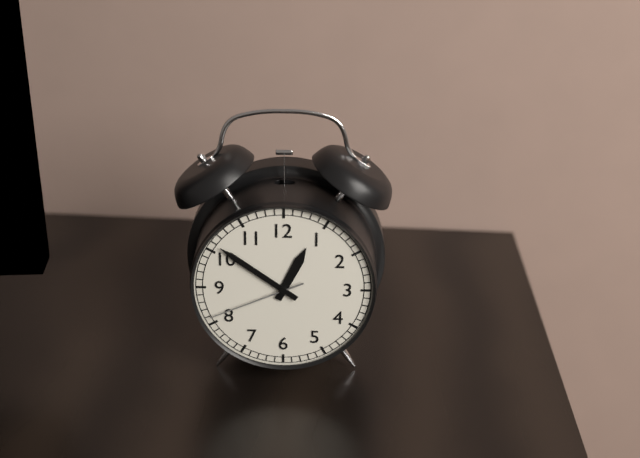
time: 12:51:41
